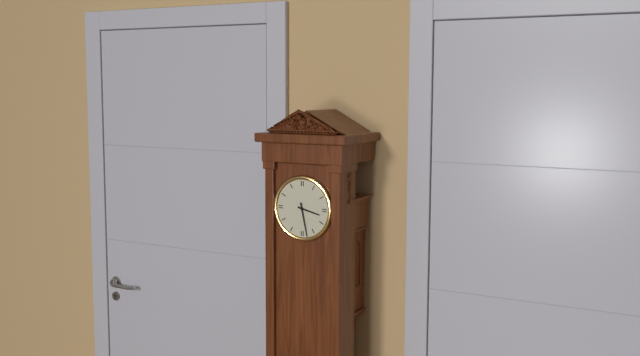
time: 3:28
